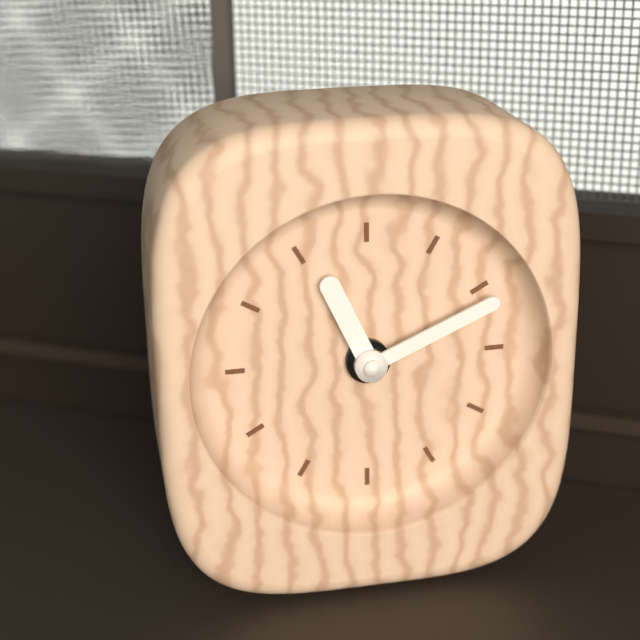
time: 11:11
